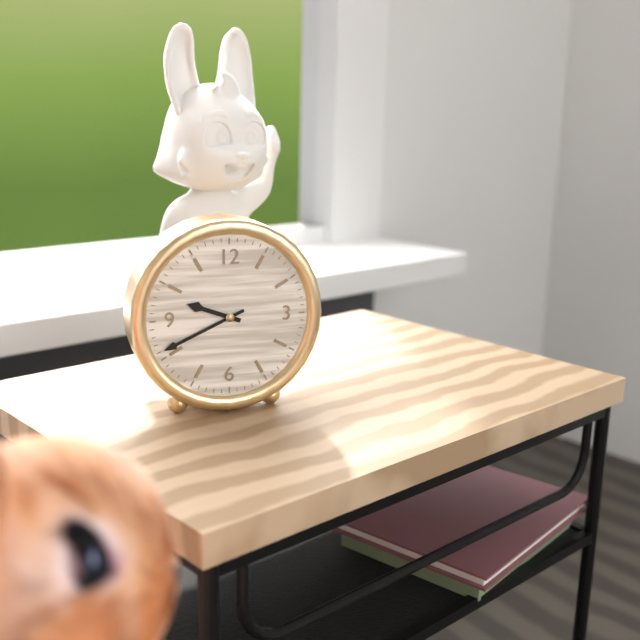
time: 9:41
